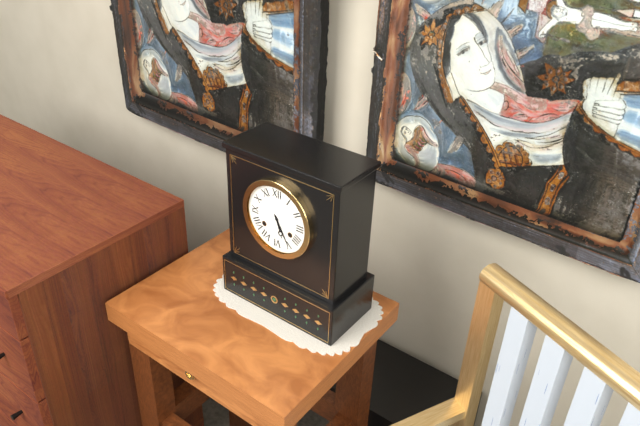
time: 5:25
